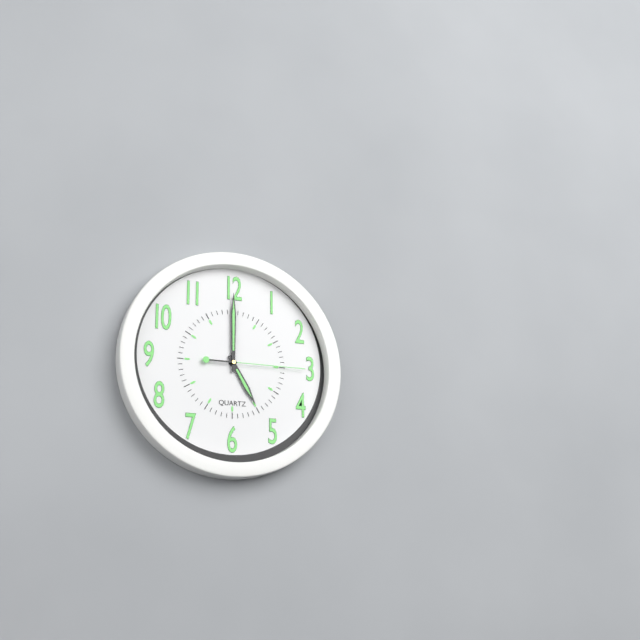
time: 5:00:15
